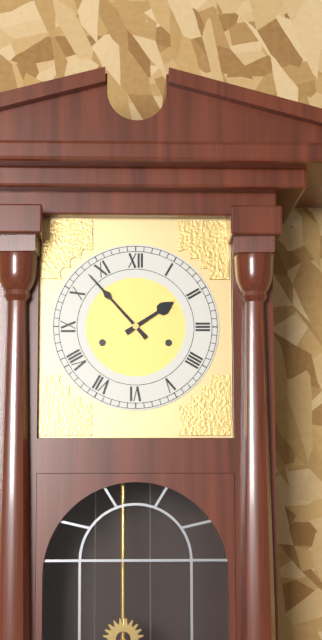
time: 1:53
